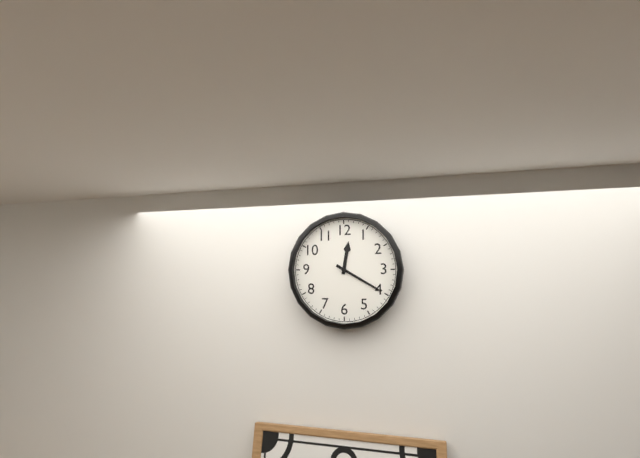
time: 12:20
